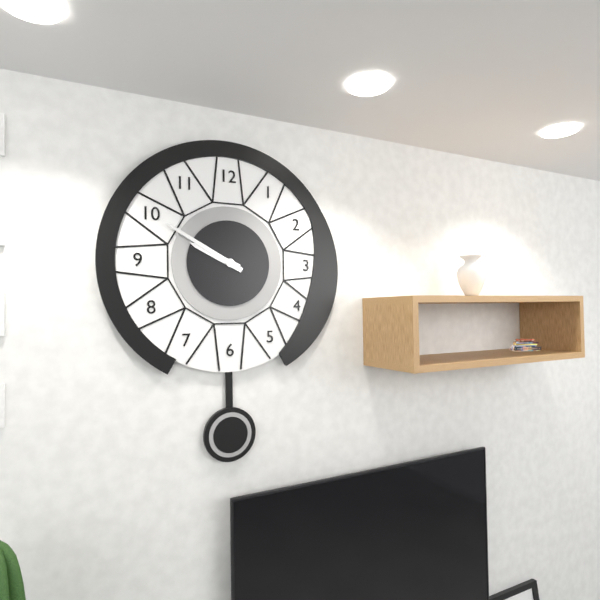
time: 9:50
